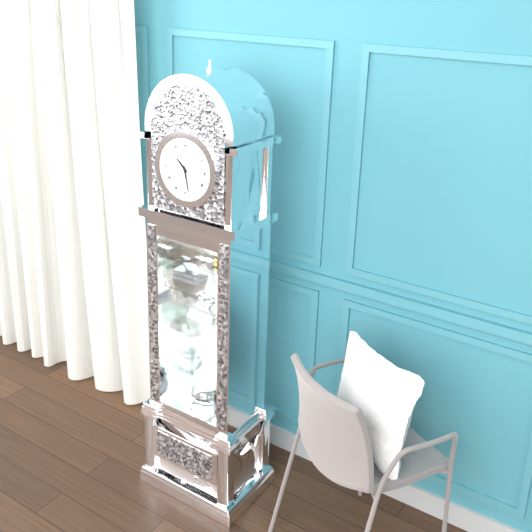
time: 10:28
